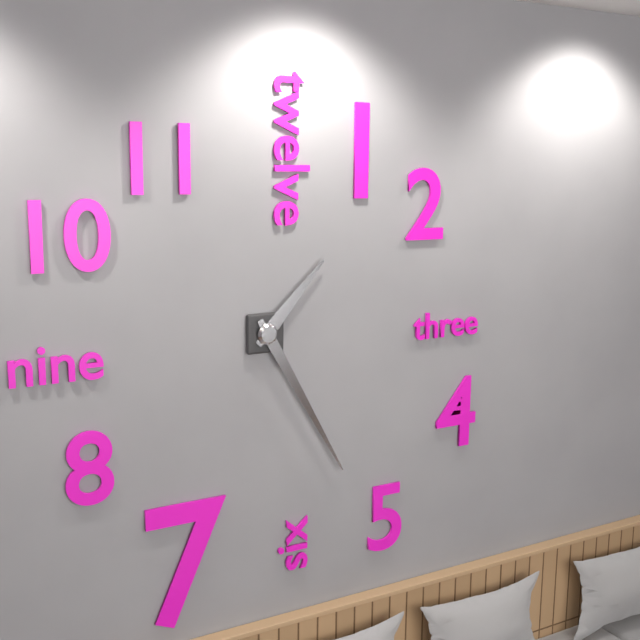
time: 1:25
